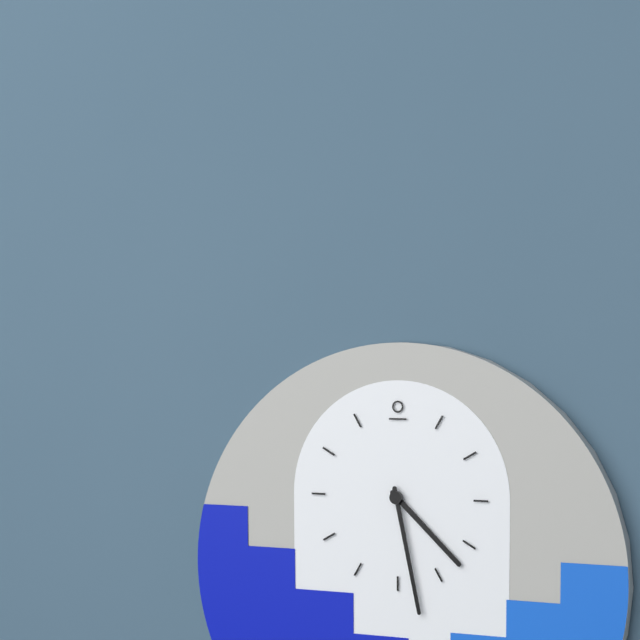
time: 4:28
